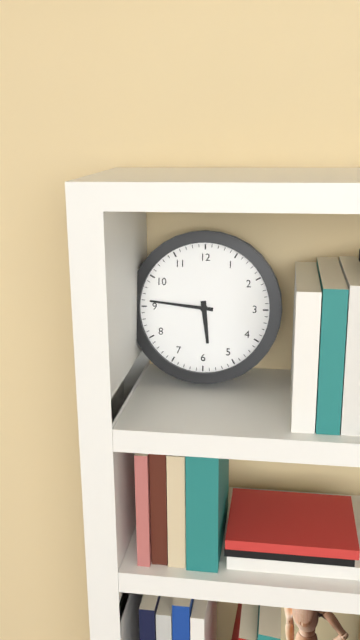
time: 5:46
